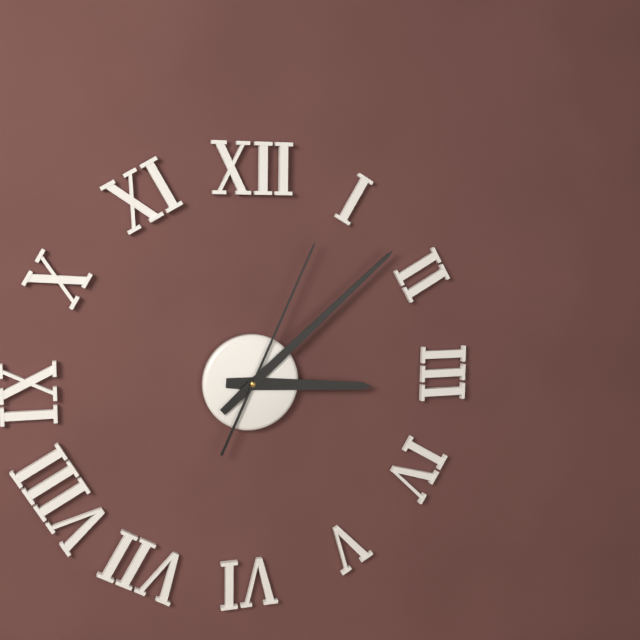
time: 3:08:04
